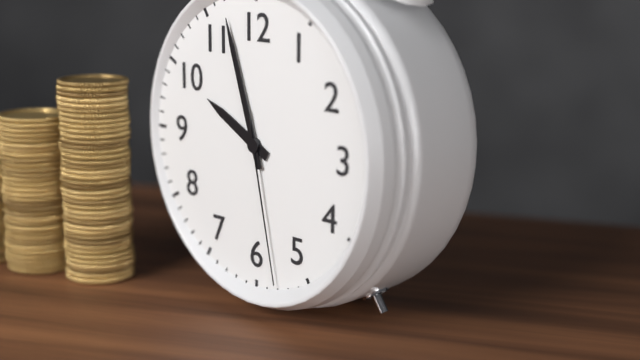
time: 9:57:28
